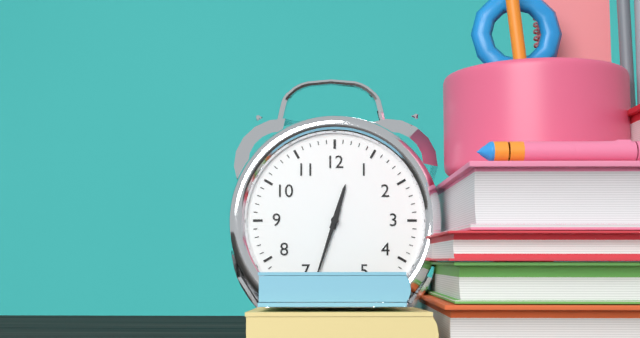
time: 12:33
